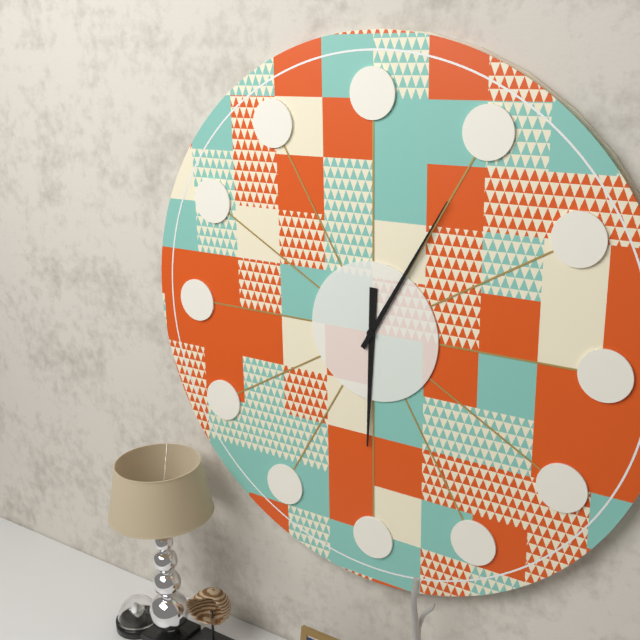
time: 6:05
